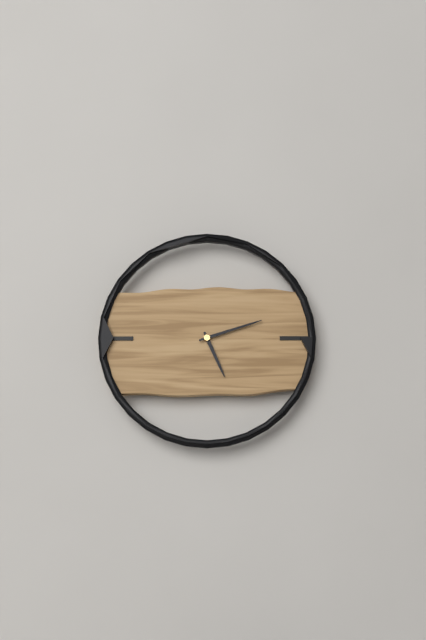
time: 5:12
